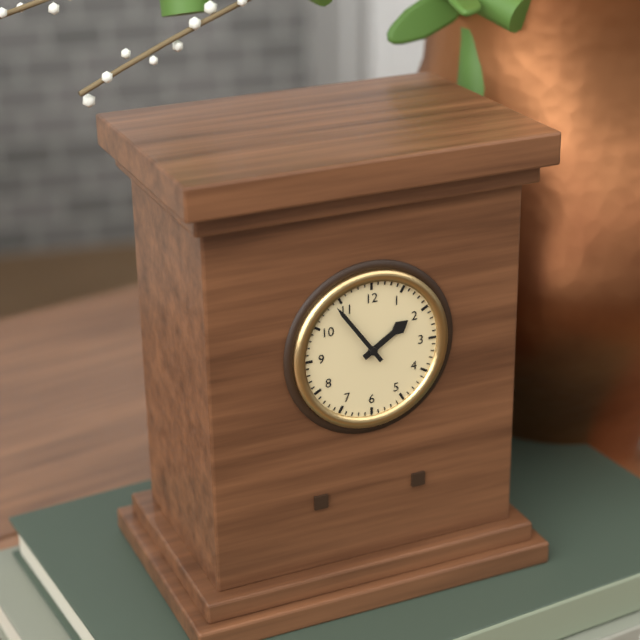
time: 1:54
